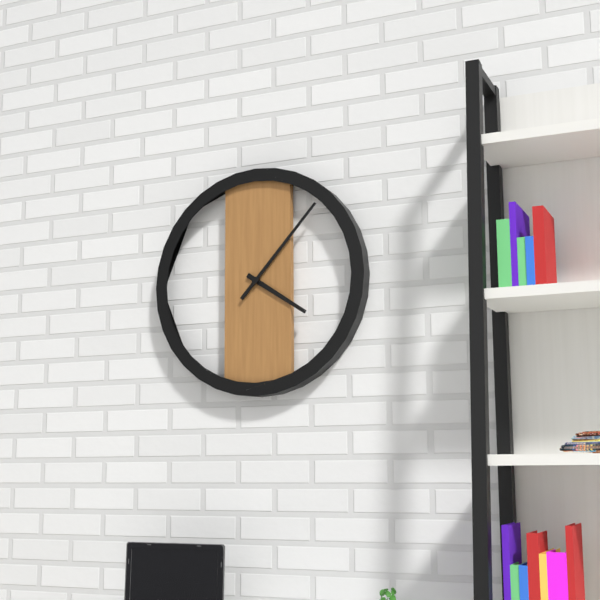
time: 4:07
